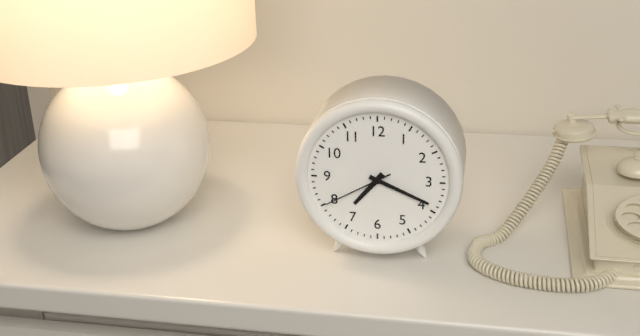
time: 7:19:40
